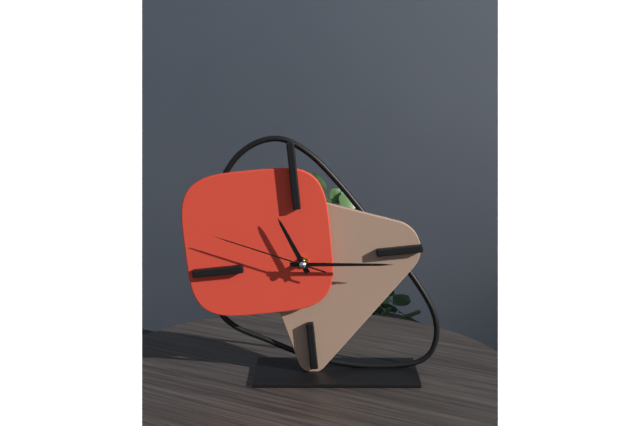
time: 11:16:49
